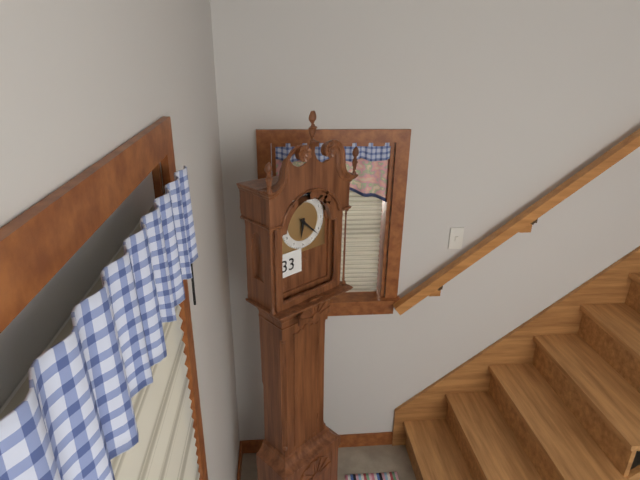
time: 6:22
